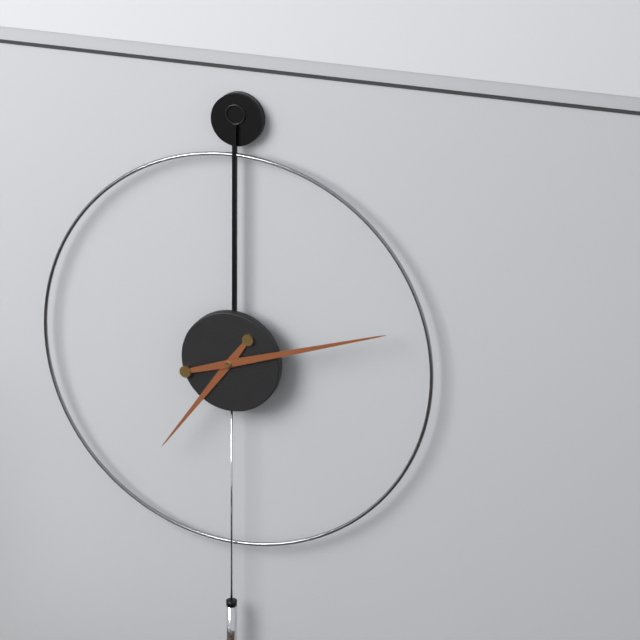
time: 7:12
